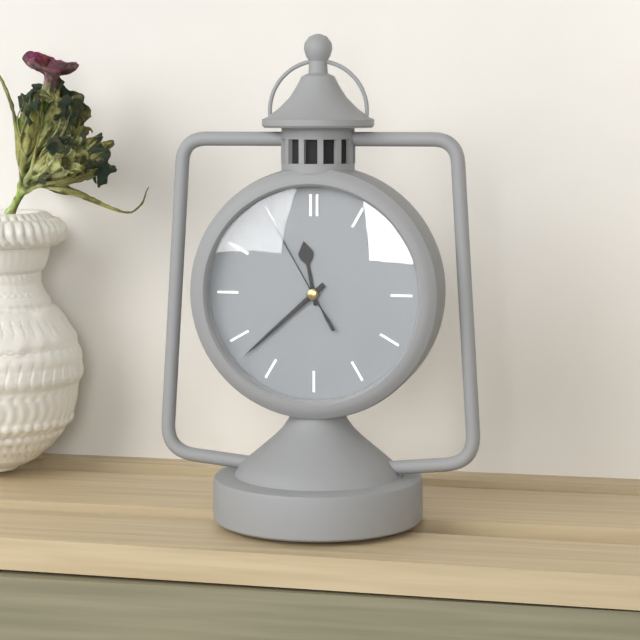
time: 11:38:55
